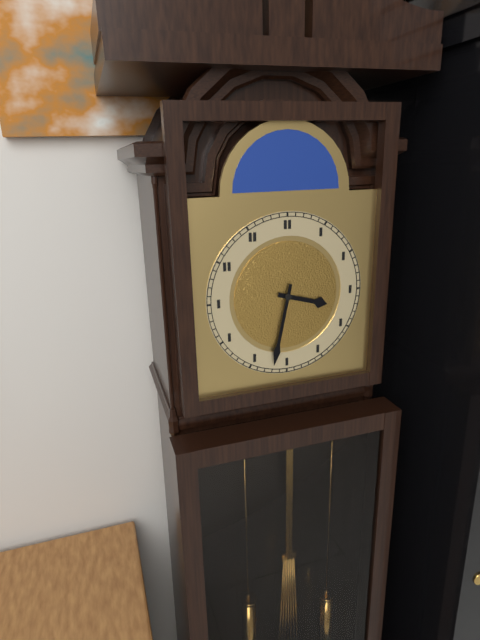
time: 3:32
